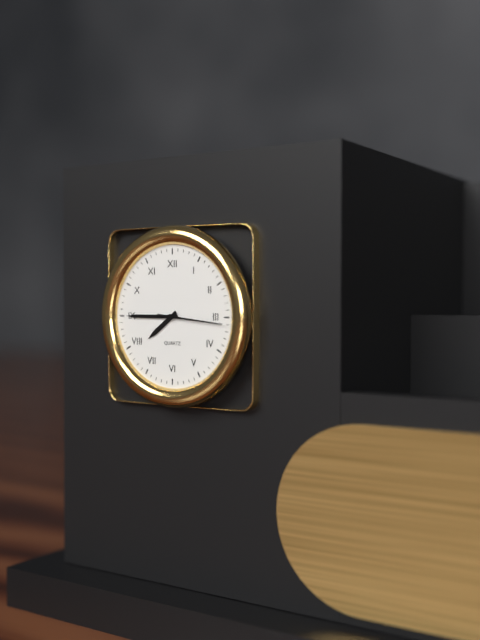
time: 7:45:16
